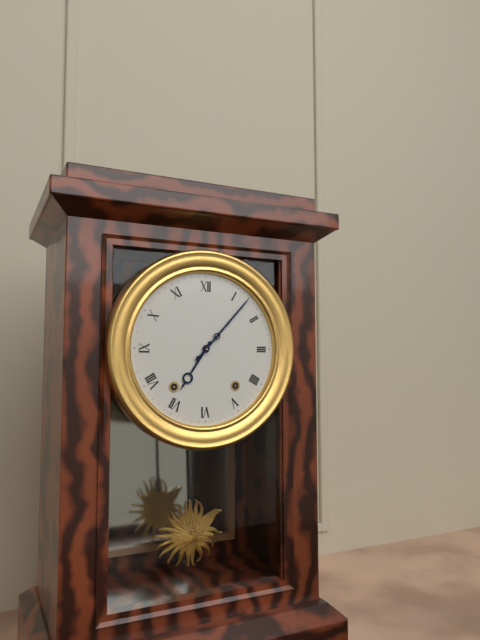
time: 7:07
